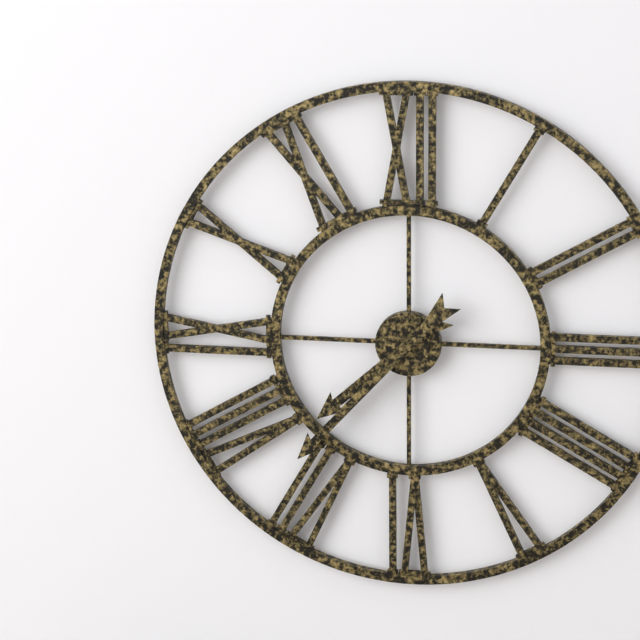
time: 7:37
